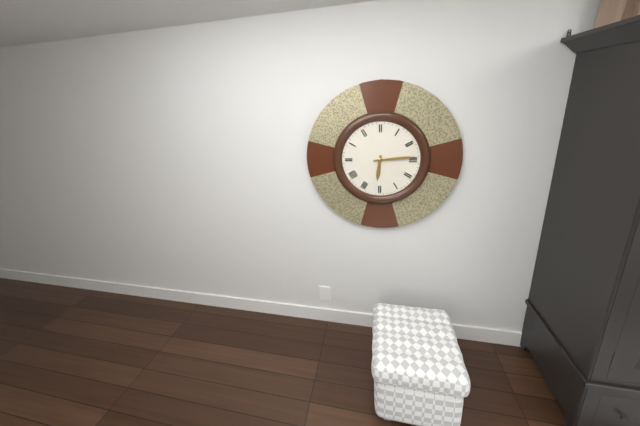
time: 6:14
